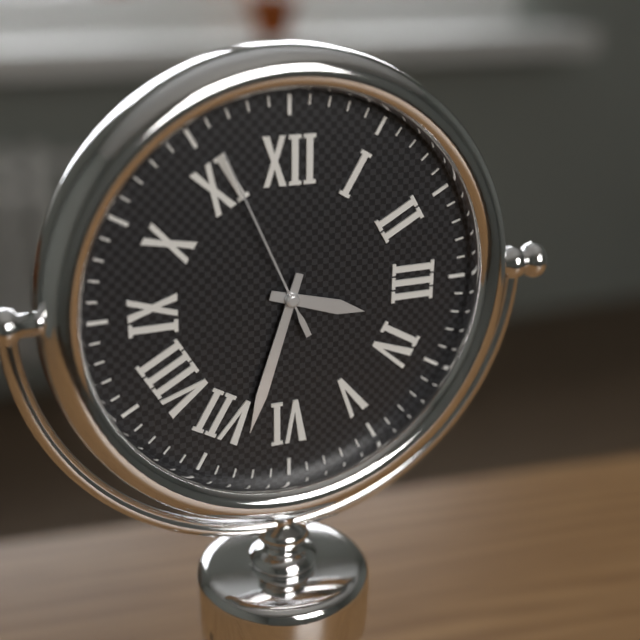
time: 3:33:56
